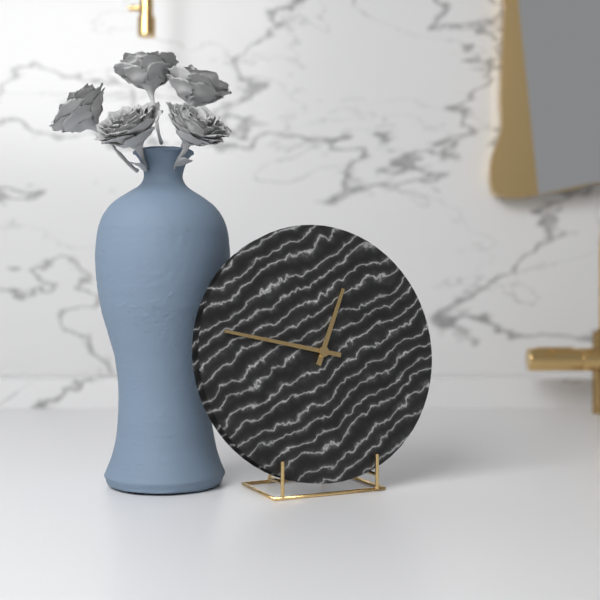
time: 12:47
